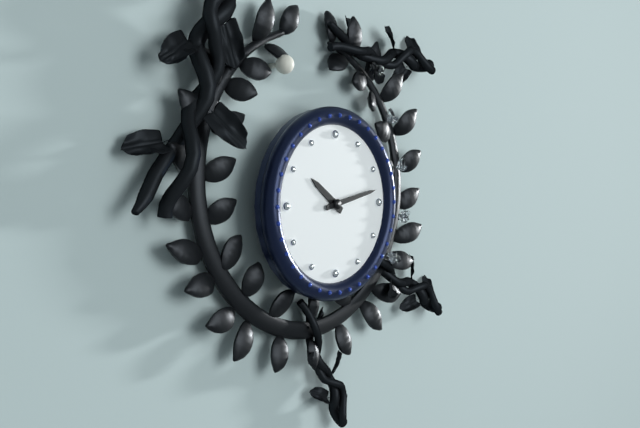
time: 10:13
